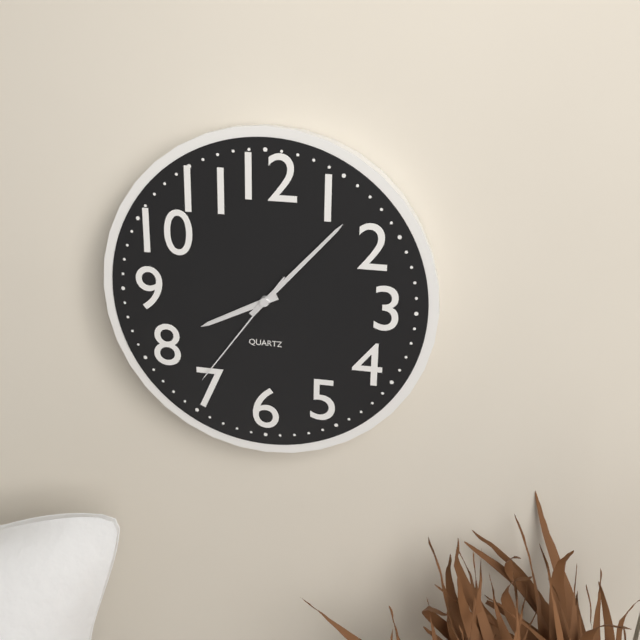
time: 8:07:36
